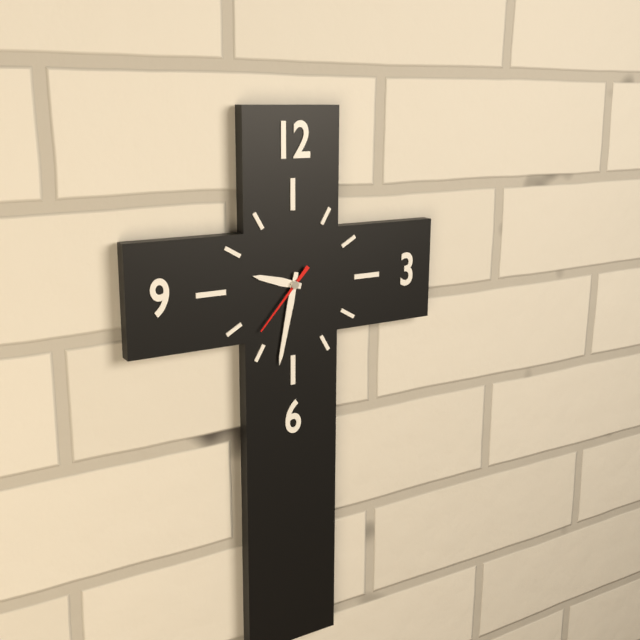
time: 9:32:37
